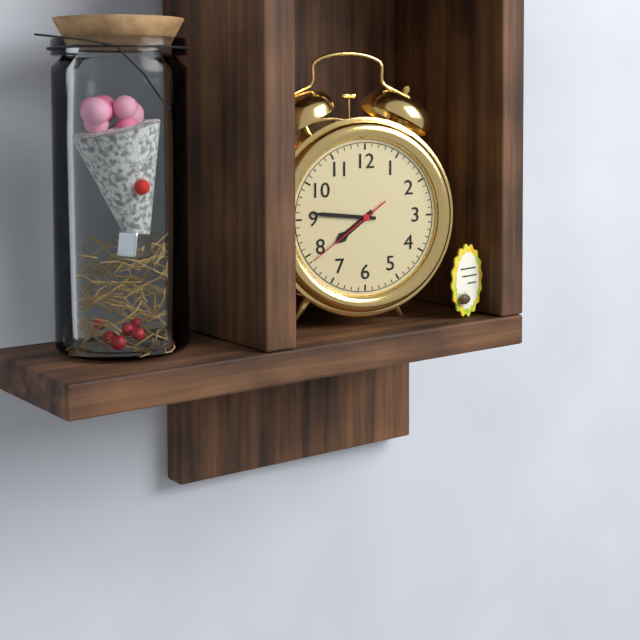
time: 7:46:39
